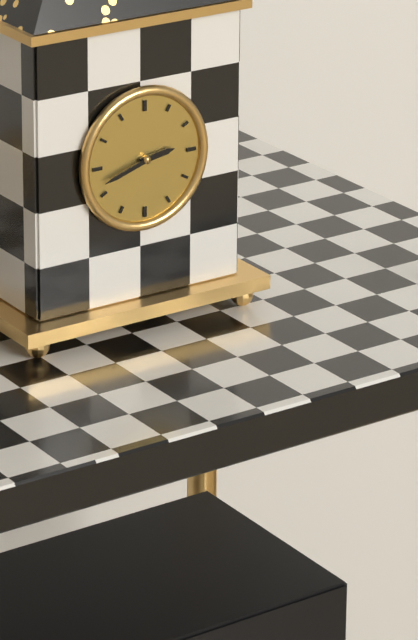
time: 2:42
